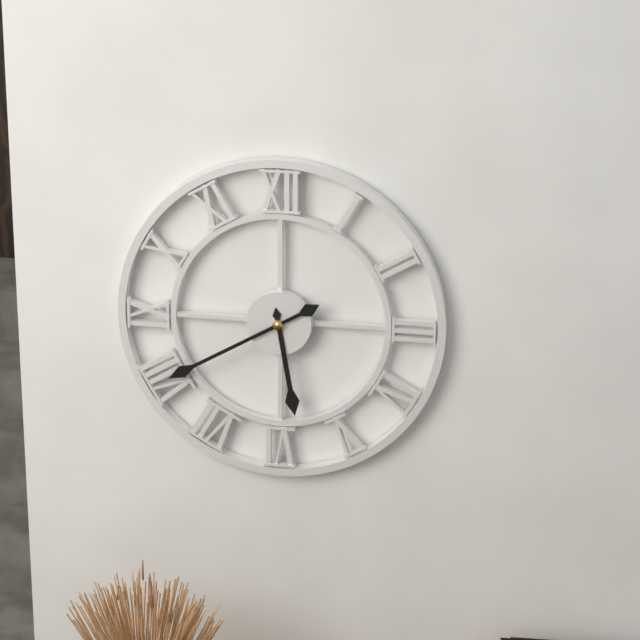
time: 5:40
